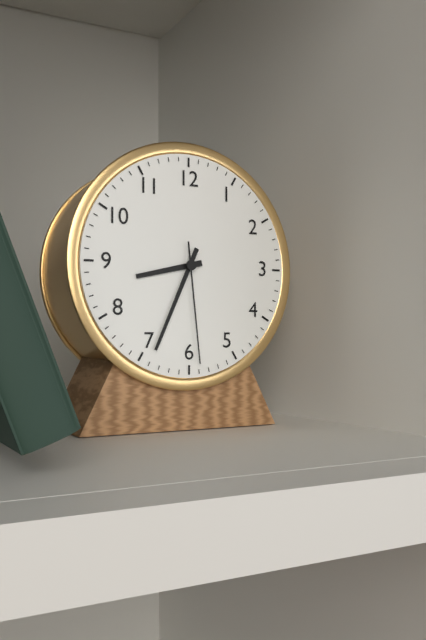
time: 8:34:29
